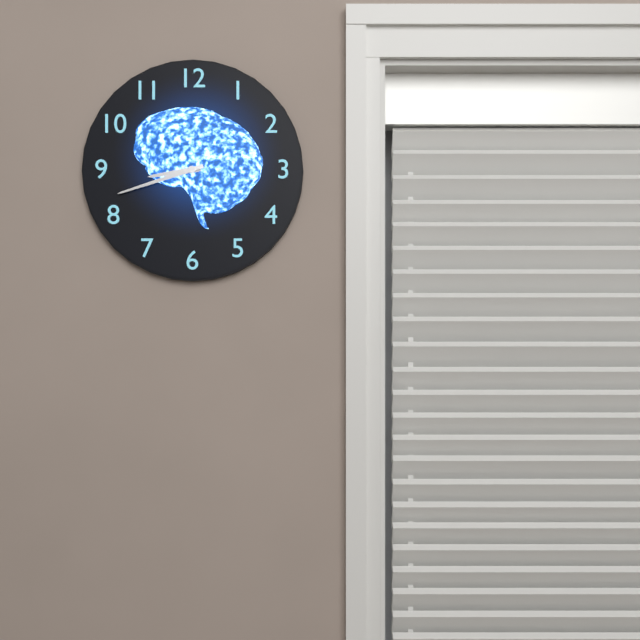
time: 8:42
